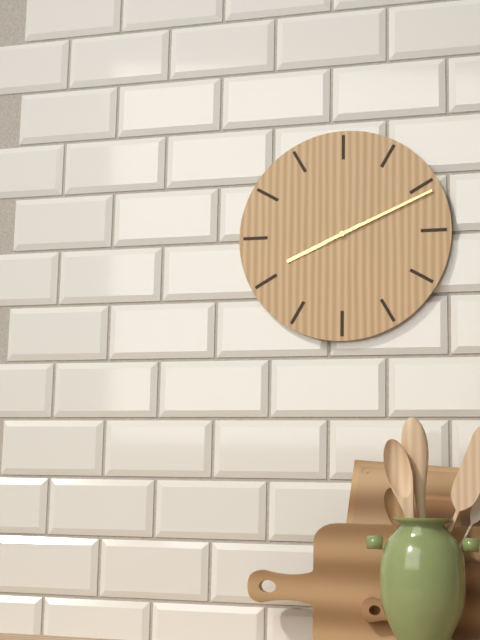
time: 8:11
